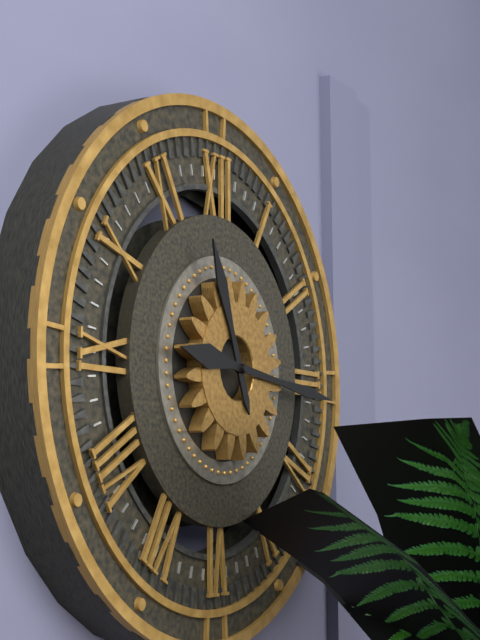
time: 11:16
